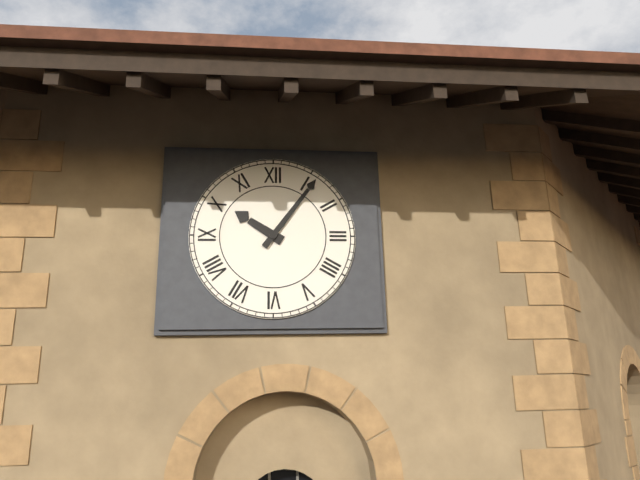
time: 10:06
